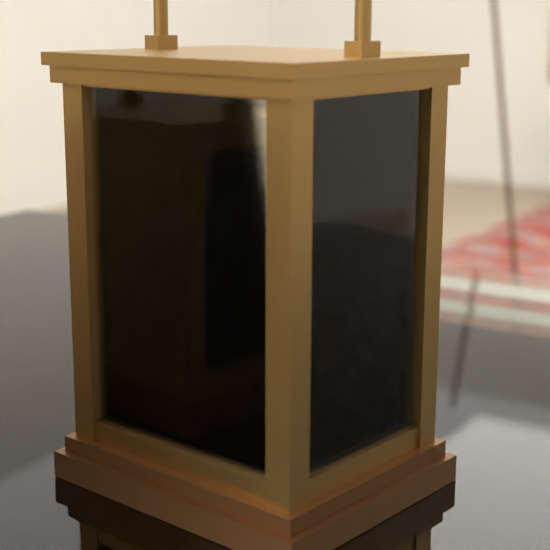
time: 6:45
